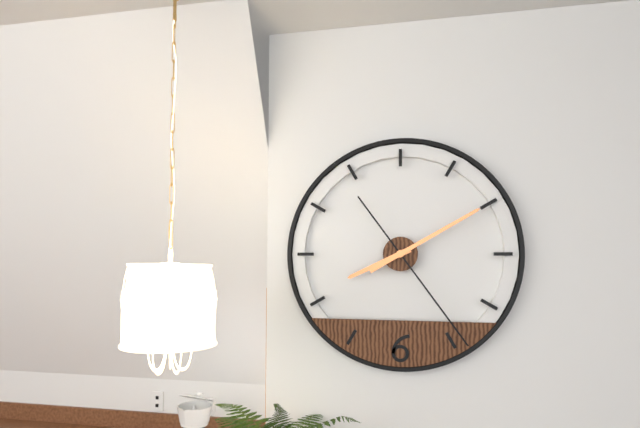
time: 8:10:24
